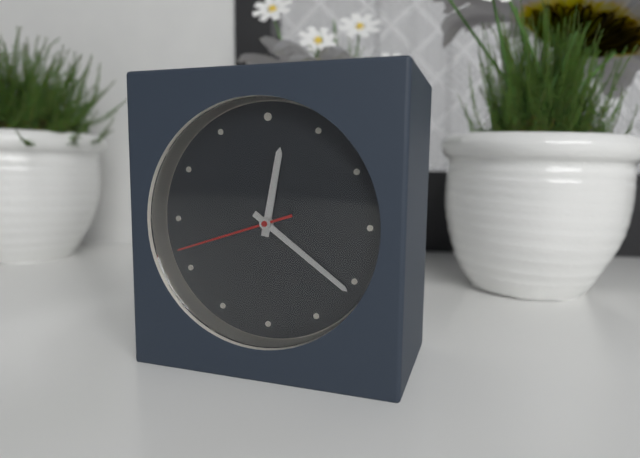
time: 12:21:42
